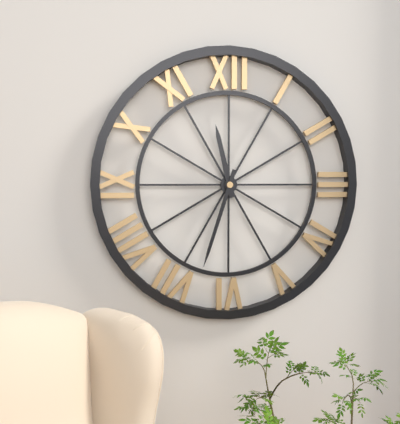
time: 11:33
